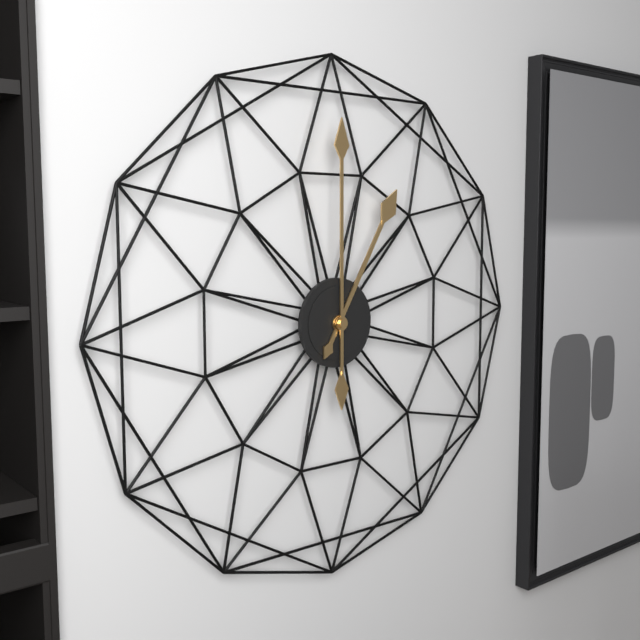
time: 1:00
